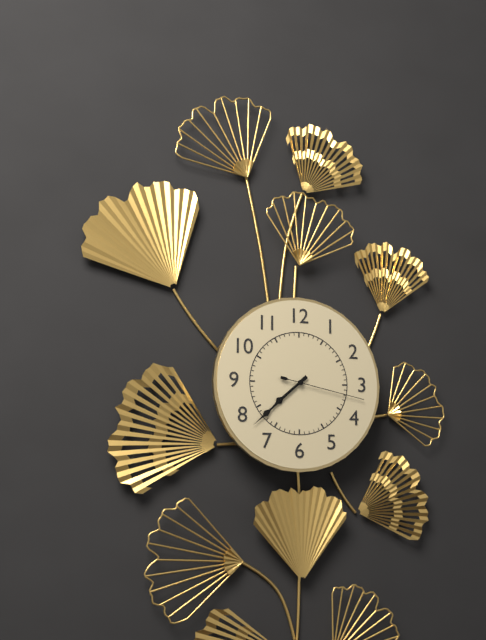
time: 7:38:17
